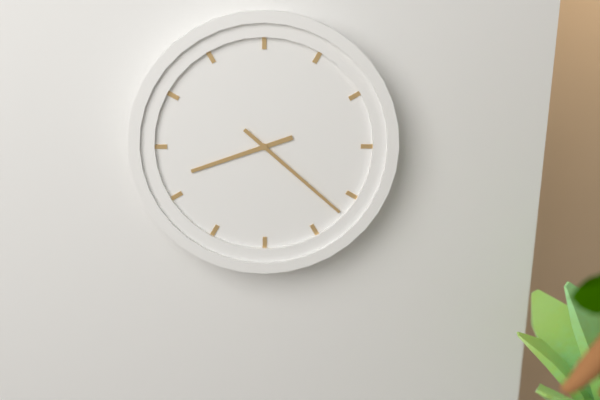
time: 8:22
